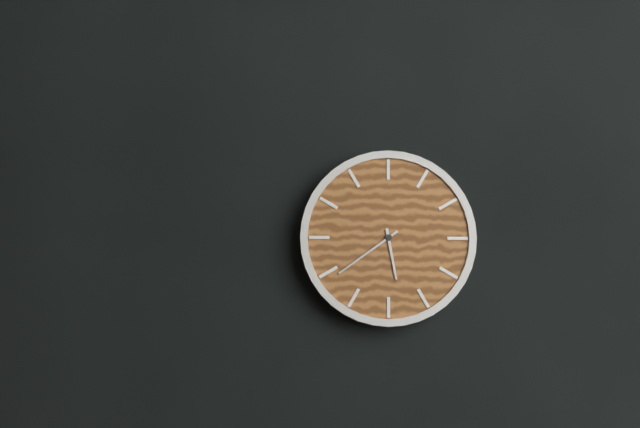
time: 5:39
